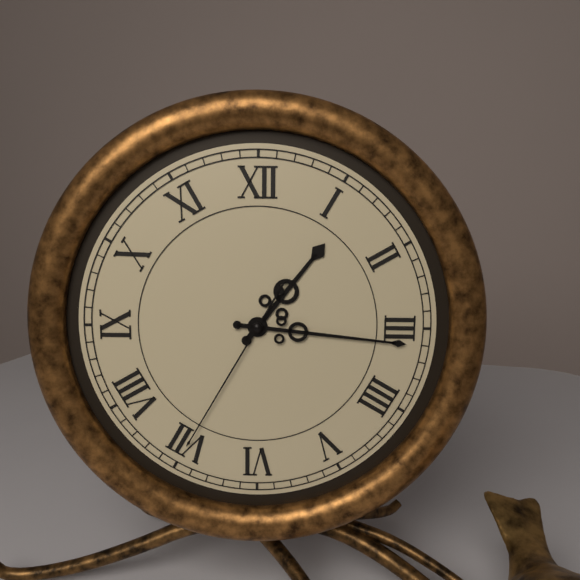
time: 1:16:35
